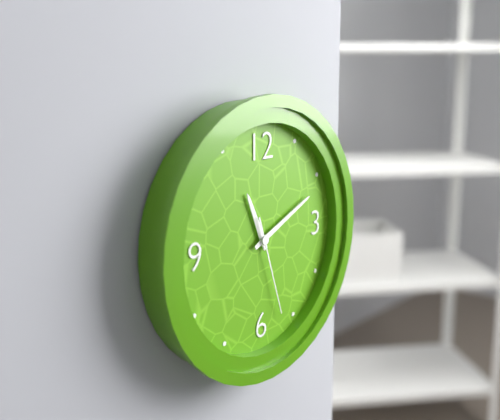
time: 11:11:27
